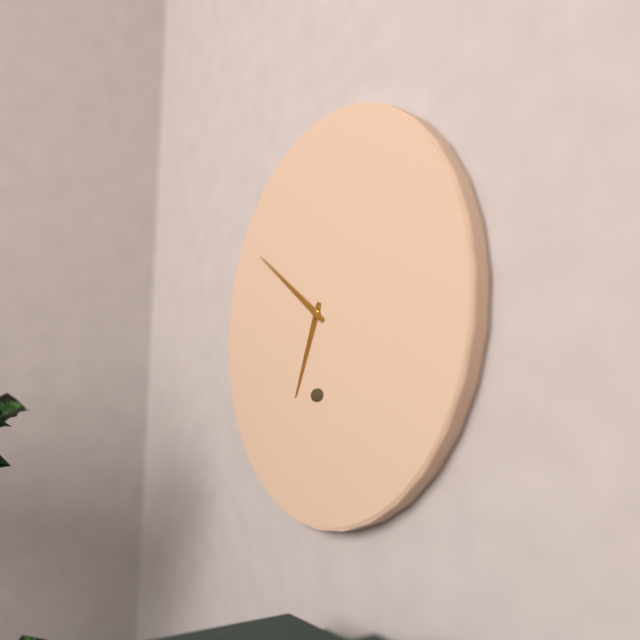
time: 6:51
